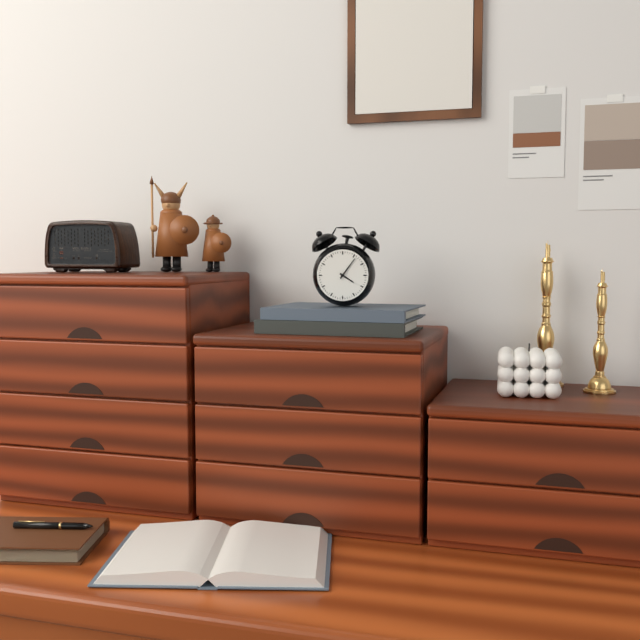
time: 4:06
